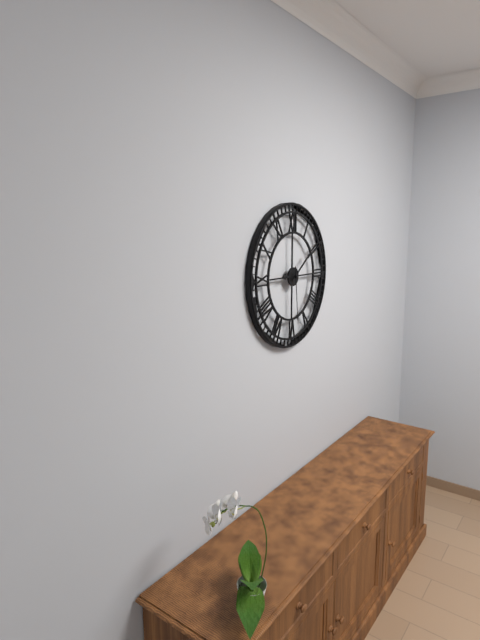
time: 9:09:29
